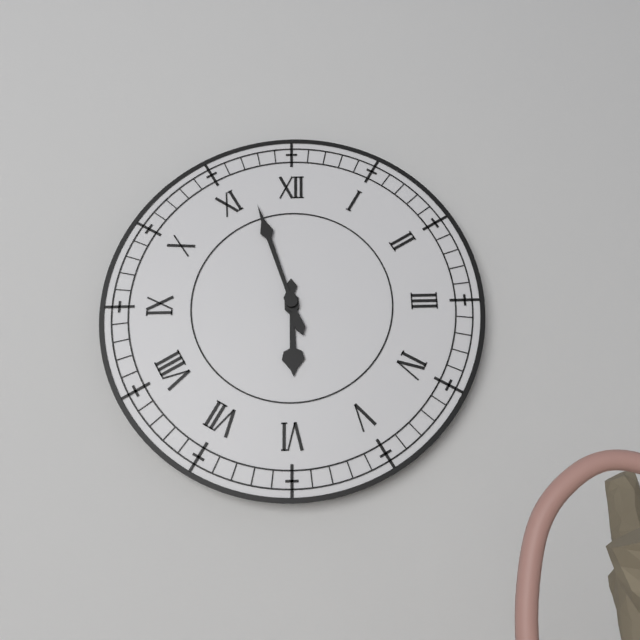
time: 5:57
